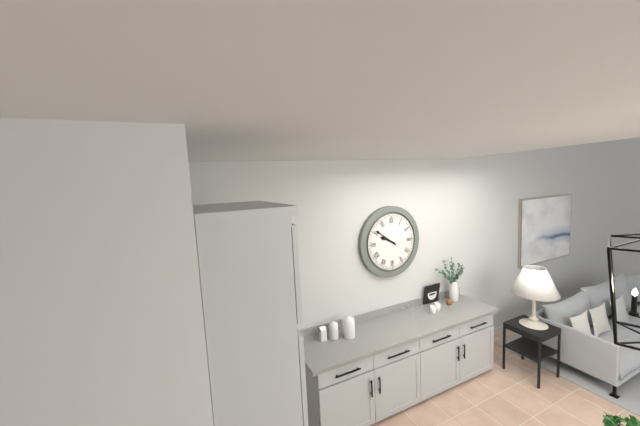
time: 9:51
